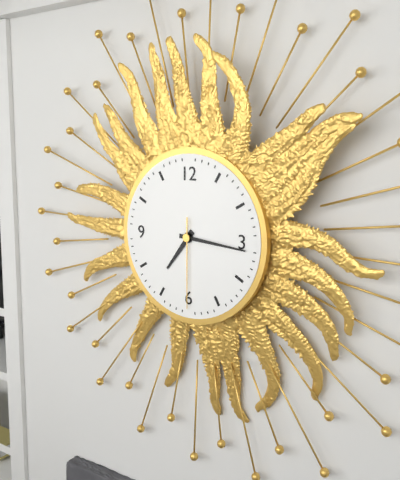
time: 7:16:30
